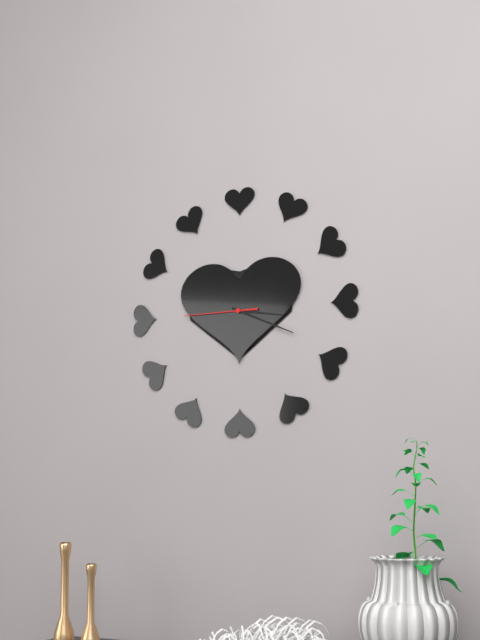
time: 3:19:45
